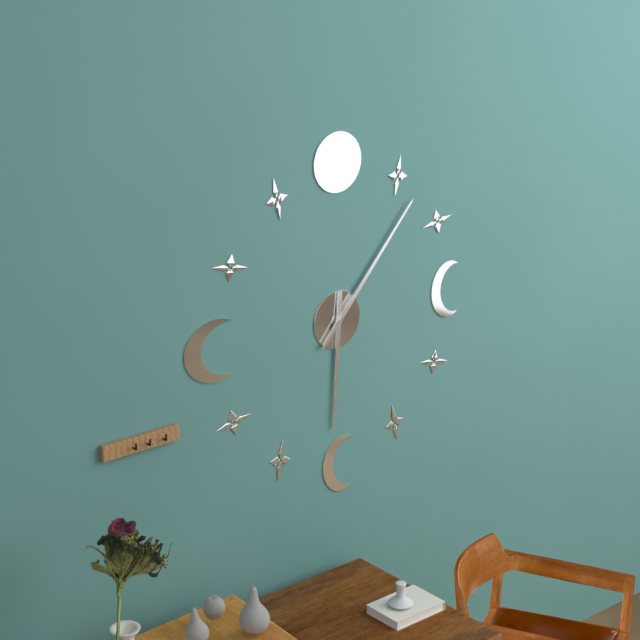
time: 6:07
